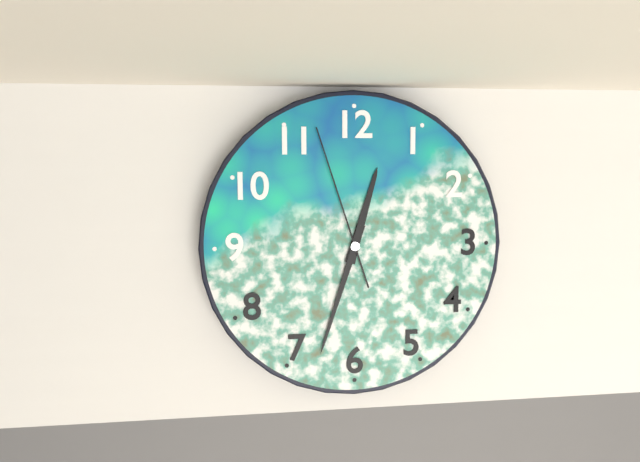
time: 12:33:57
